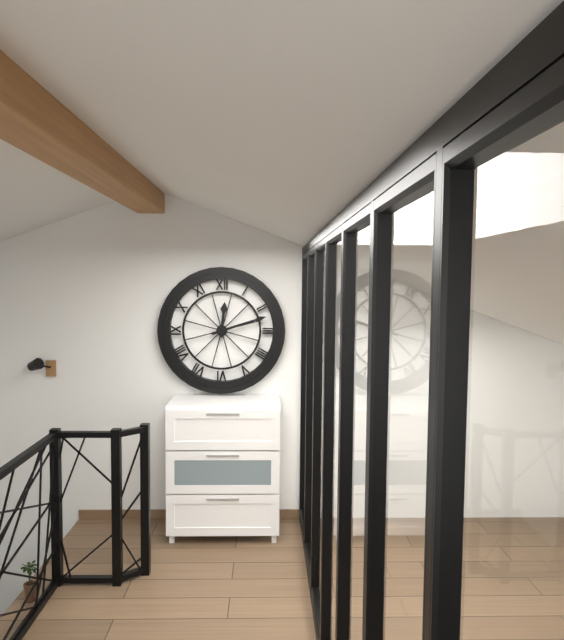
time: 12:12
